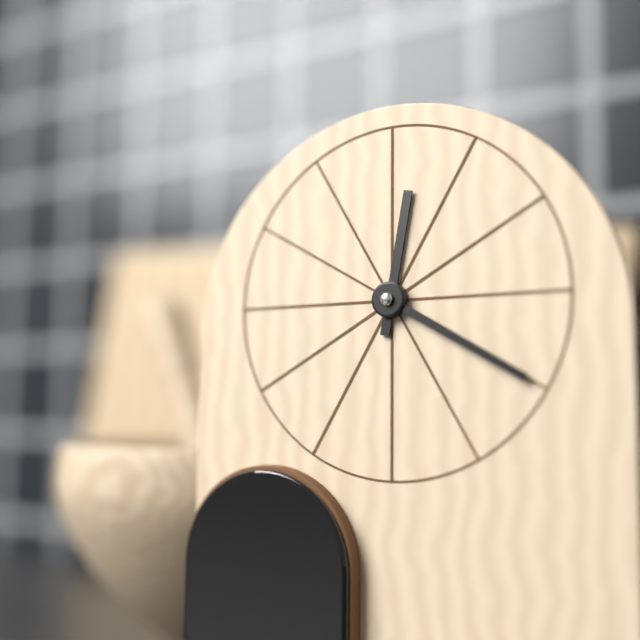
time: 12:20
